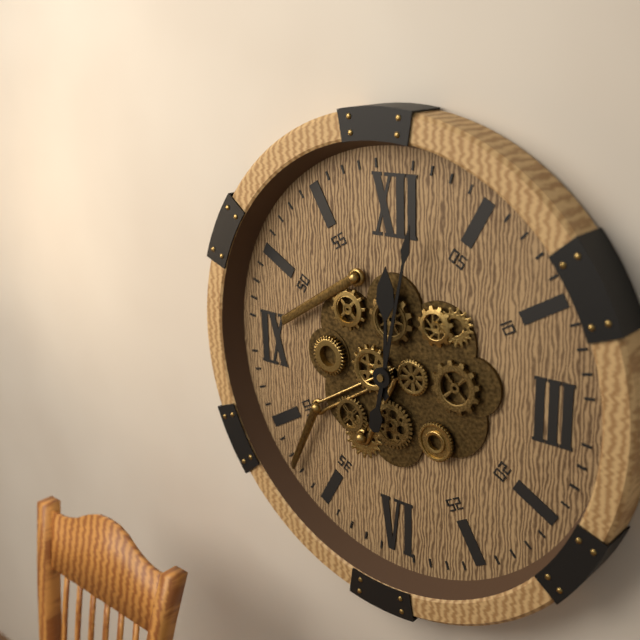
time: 12:02
